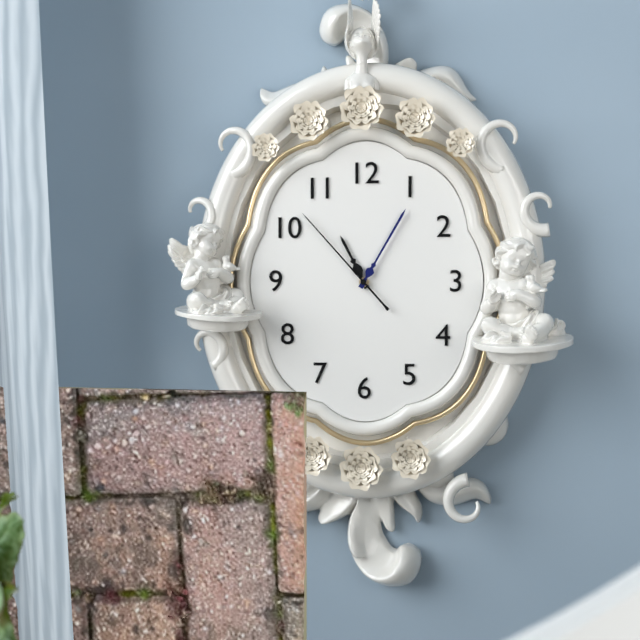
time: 11:05:53
